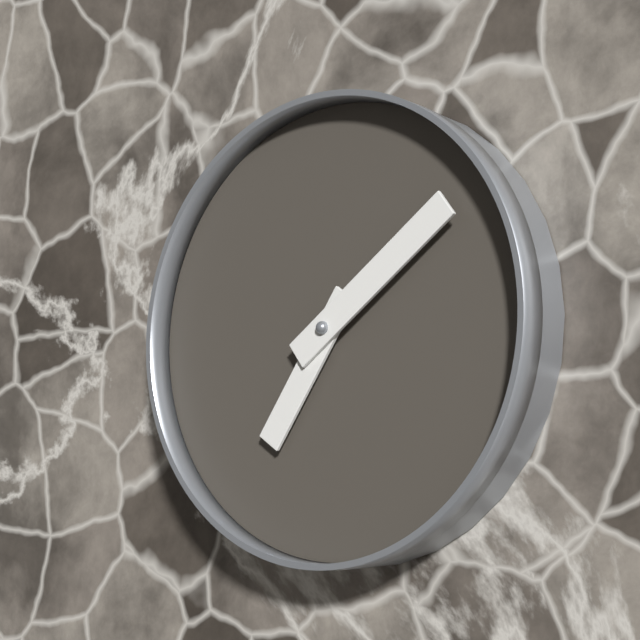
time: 7:09
